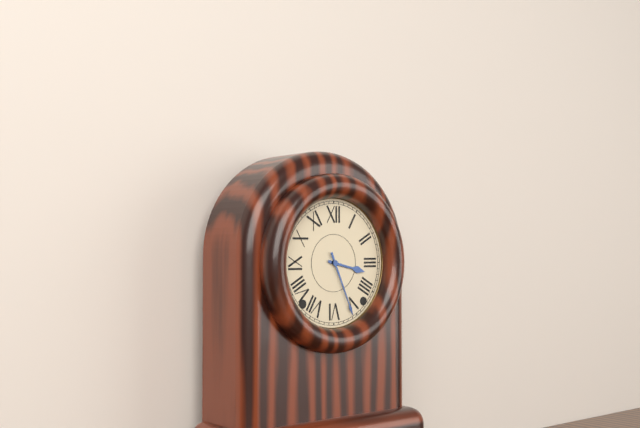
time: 3:26
